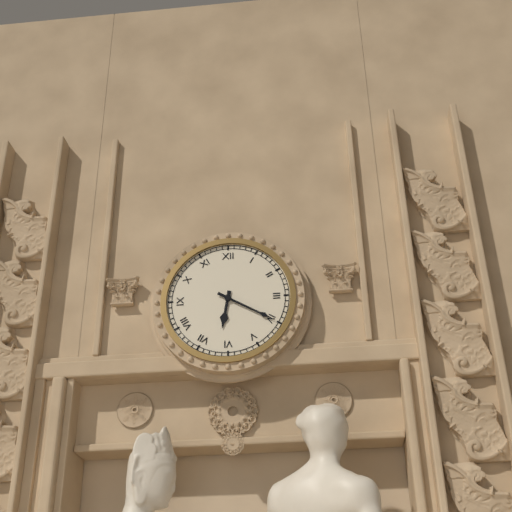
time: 6:20
